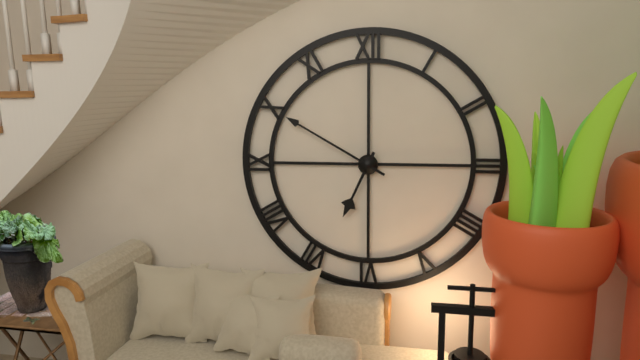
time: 6:50
